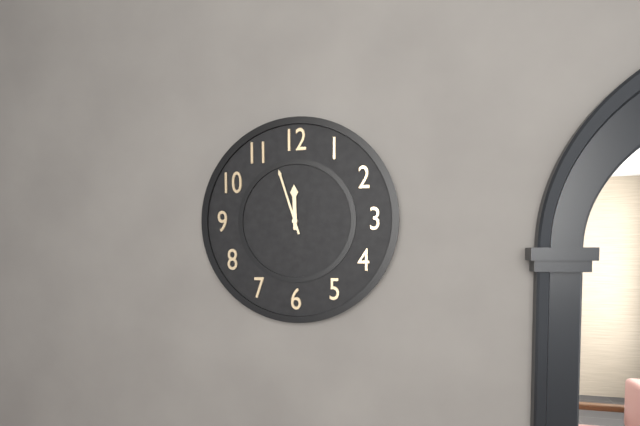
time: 11:57
